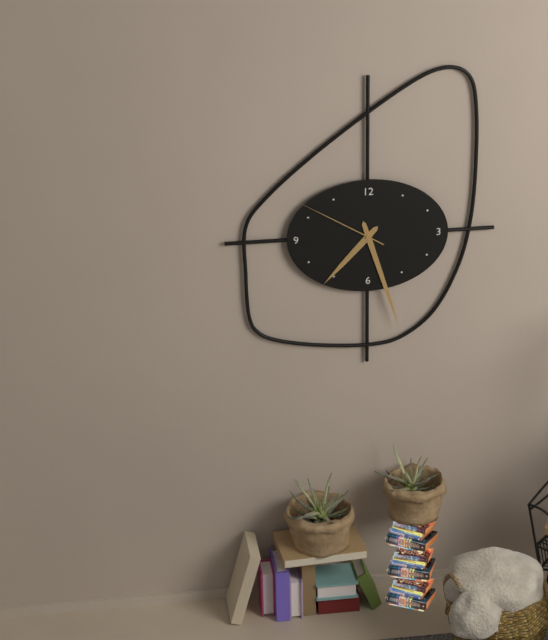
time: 7:27:50
